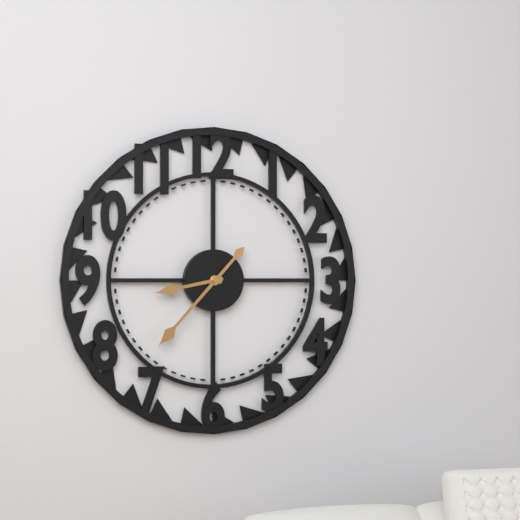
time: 8:37
